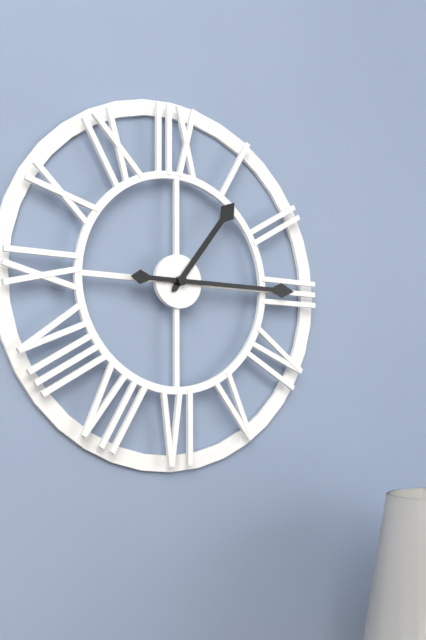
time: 1:15
